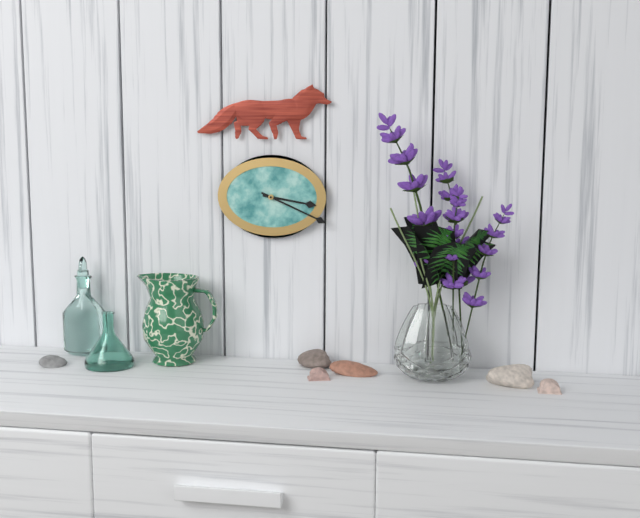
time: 3:19
